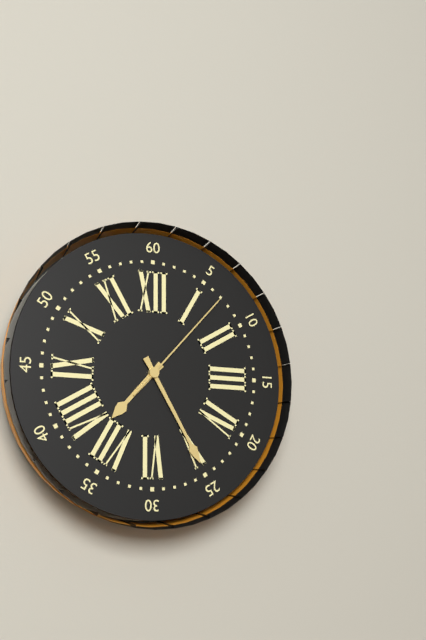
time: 7:25:07
